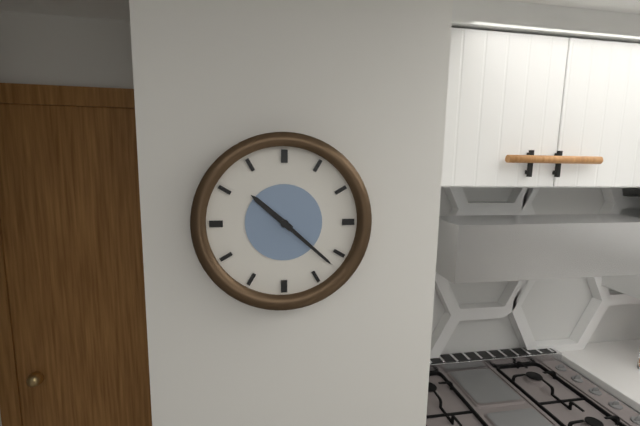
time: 10:22
